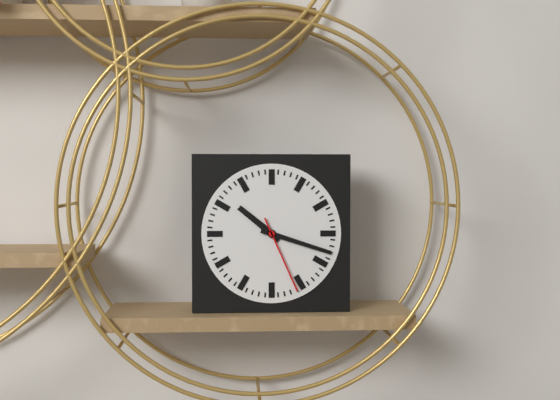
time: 10:18:26
